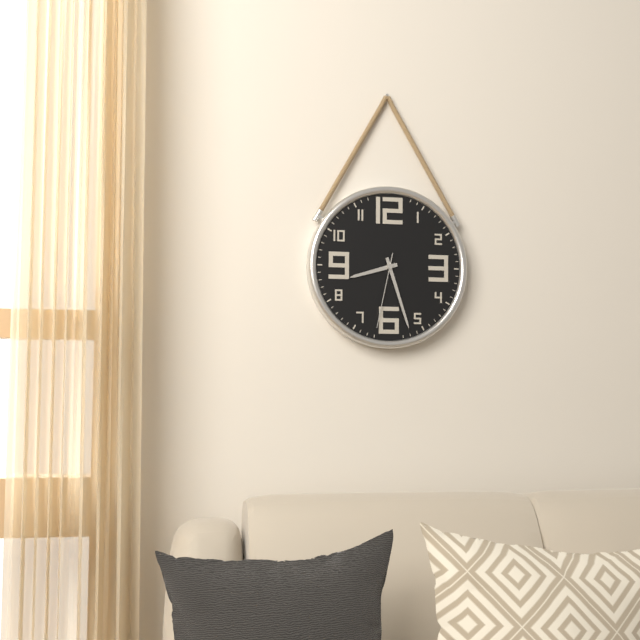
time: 8:27:32
